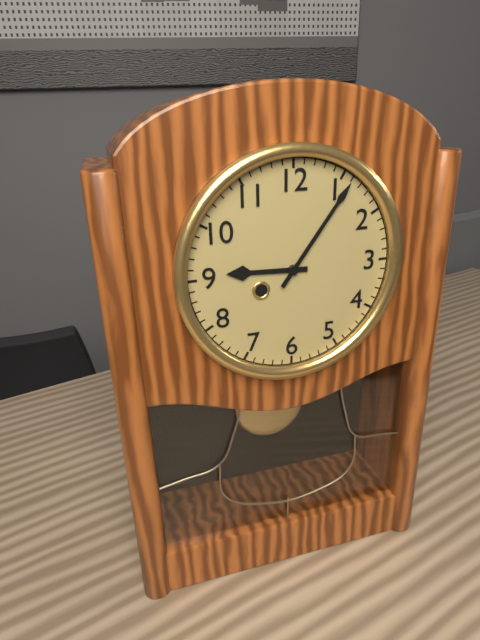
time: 9:06
